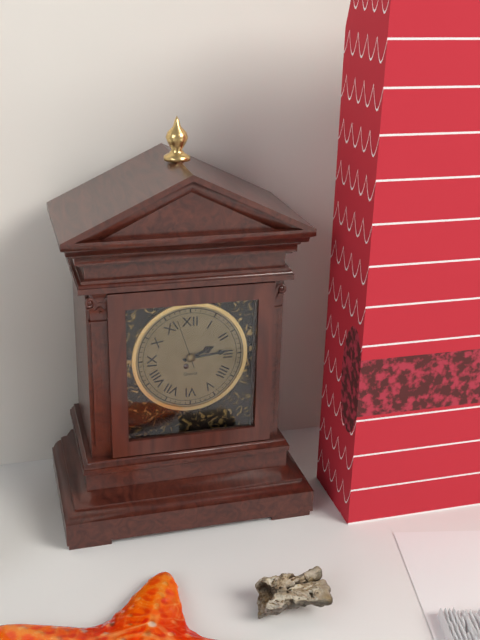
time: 2:14:57
